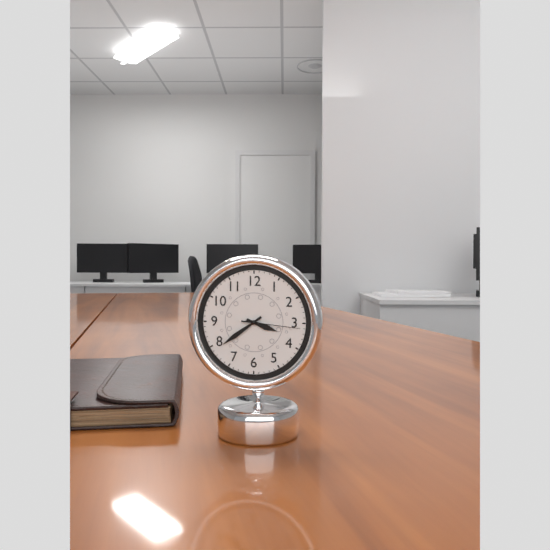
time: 3:39:16
